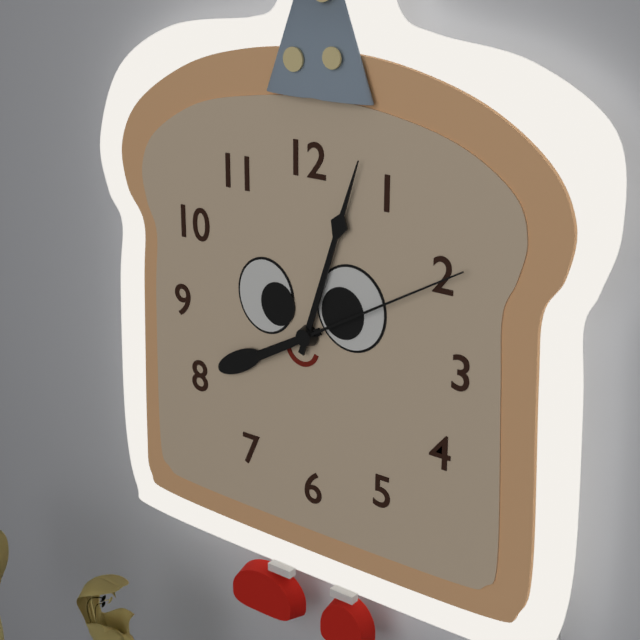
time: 8:03:10
